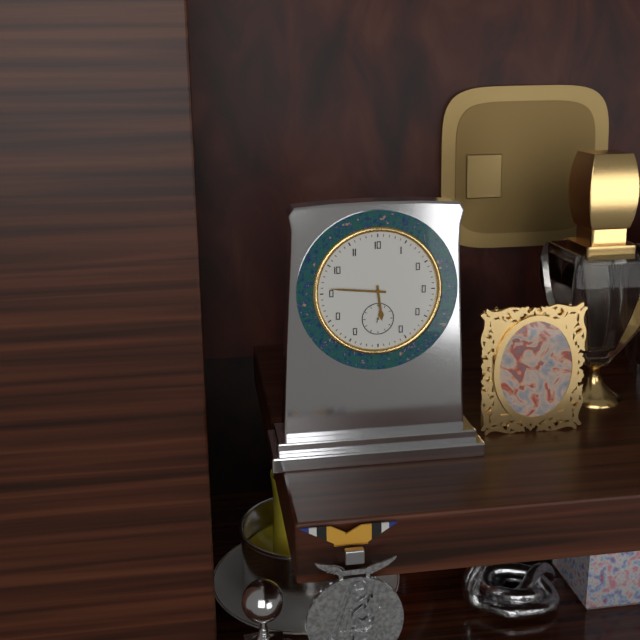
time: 5:46
